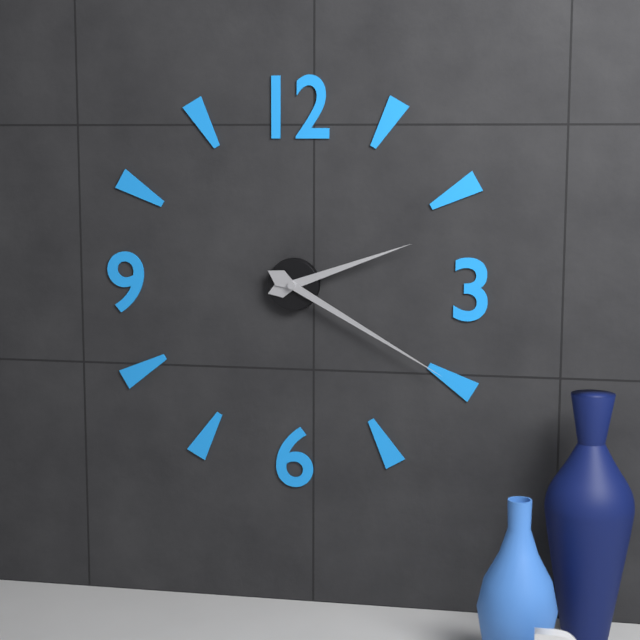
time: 2:20
